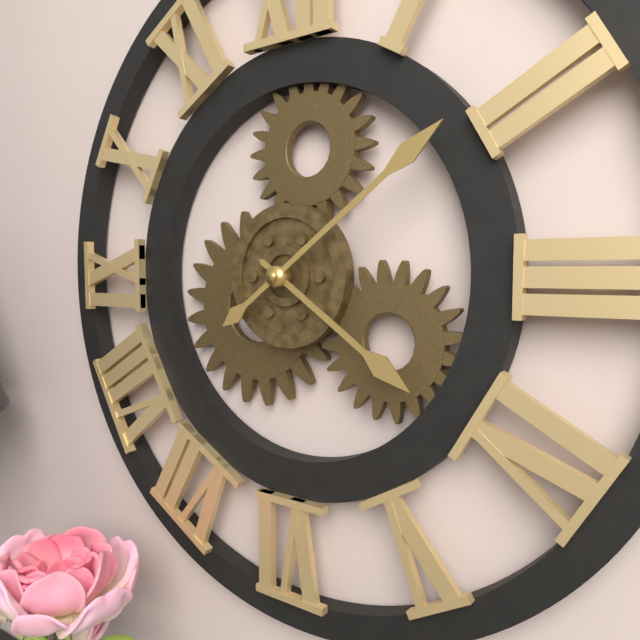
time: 4:09
